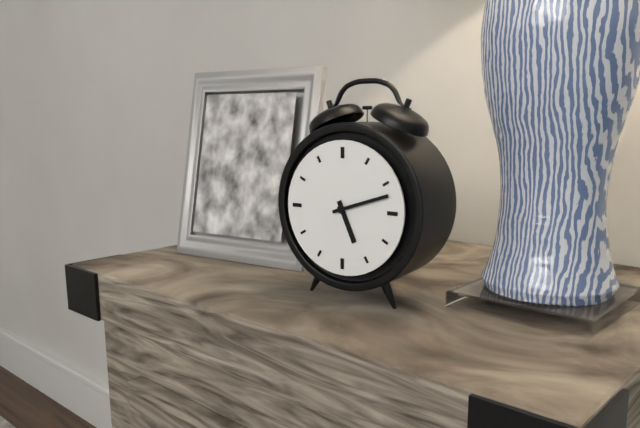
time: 5:12
